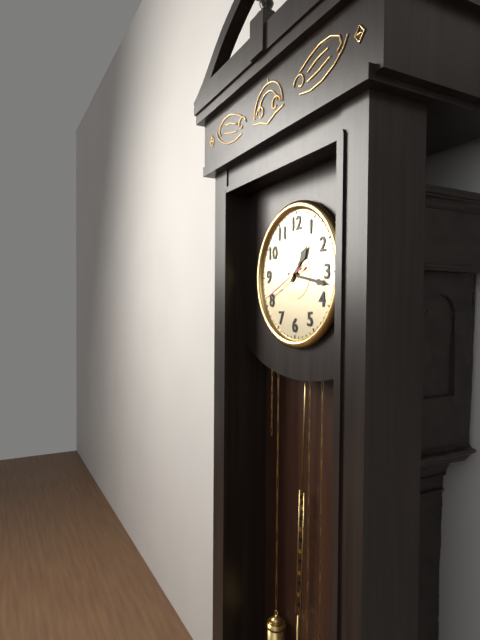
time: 1:17
